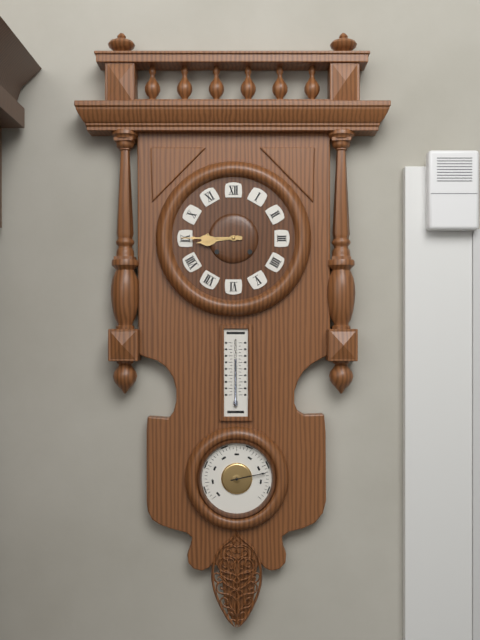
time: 8:45
